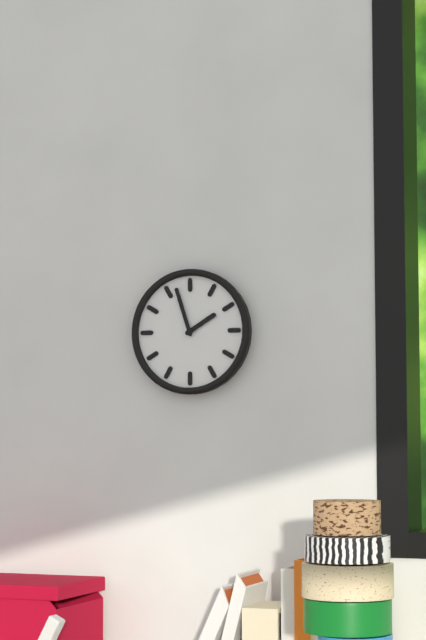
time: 1:57
